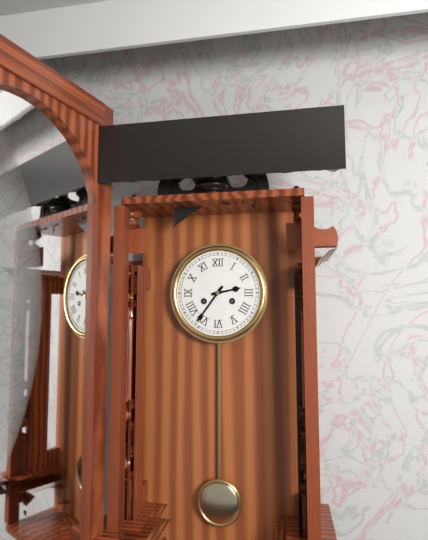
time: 2:36
